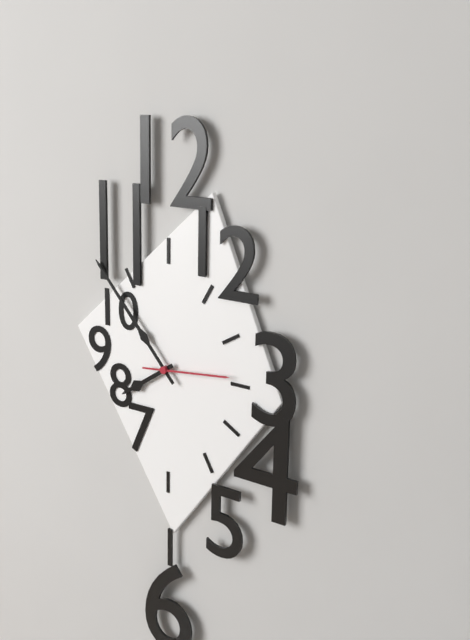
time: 7:53:14
